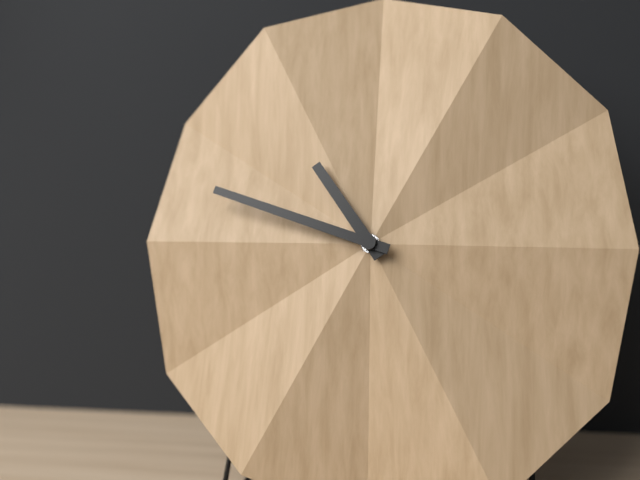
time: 10:48
